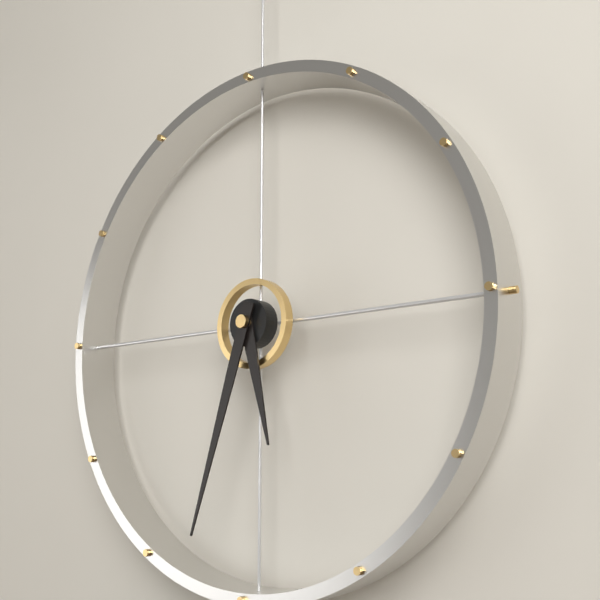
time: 5:33
